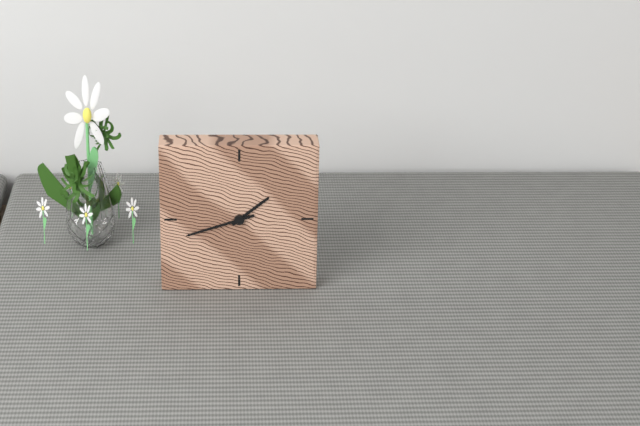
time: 1:42
